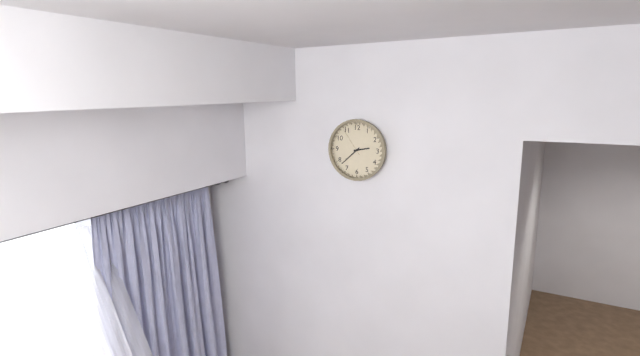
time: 2:38
